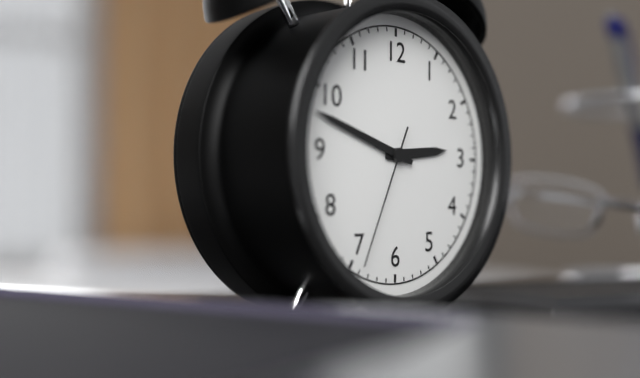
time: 2:48:34
